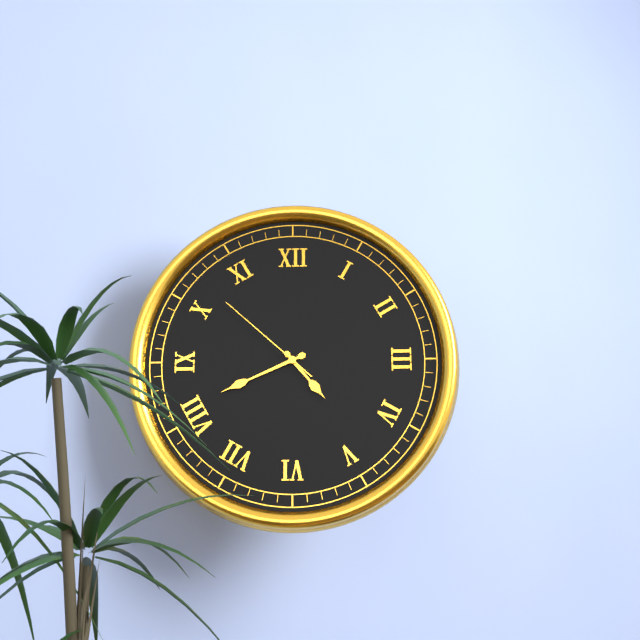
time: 4:41:52
